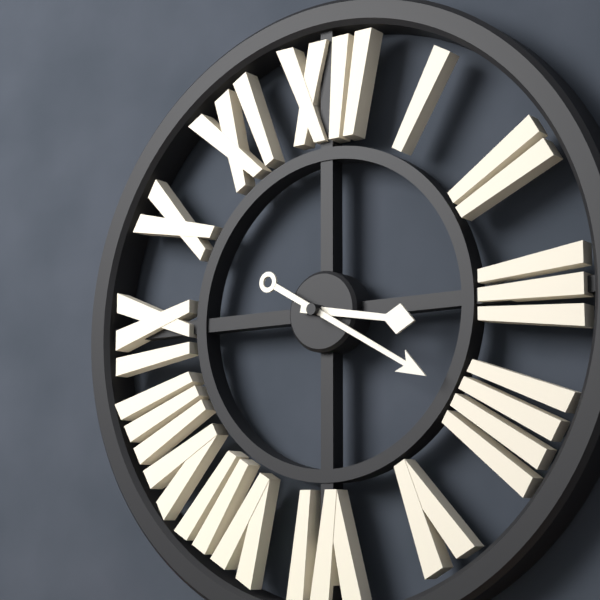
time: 3:20
